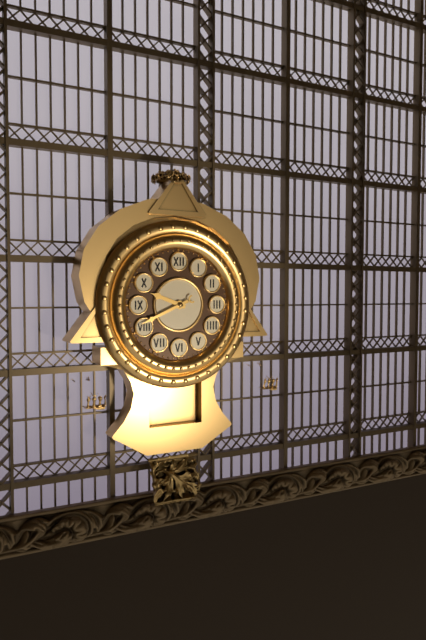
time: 9:41
